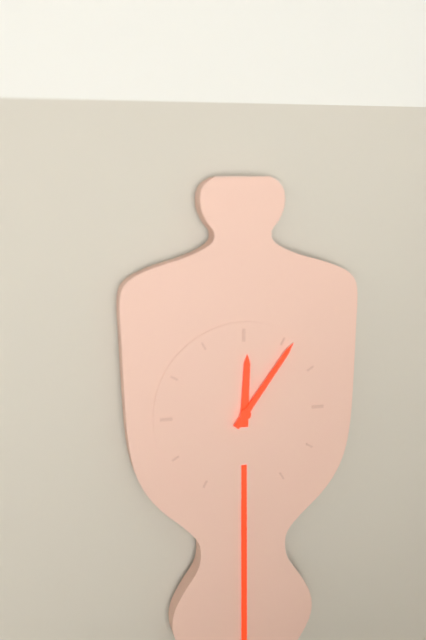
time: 12:06
